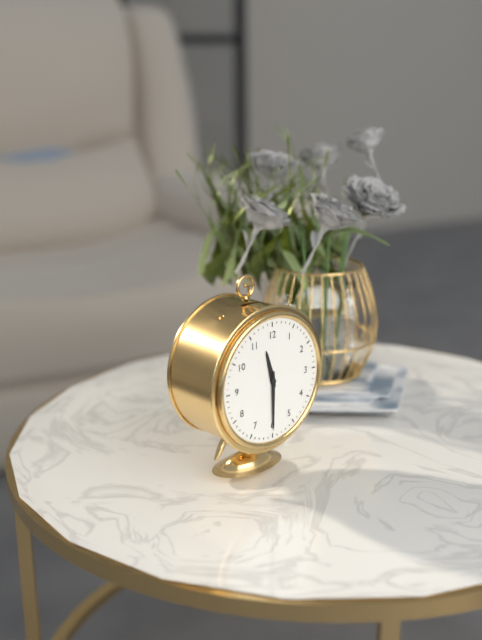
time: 11:30
